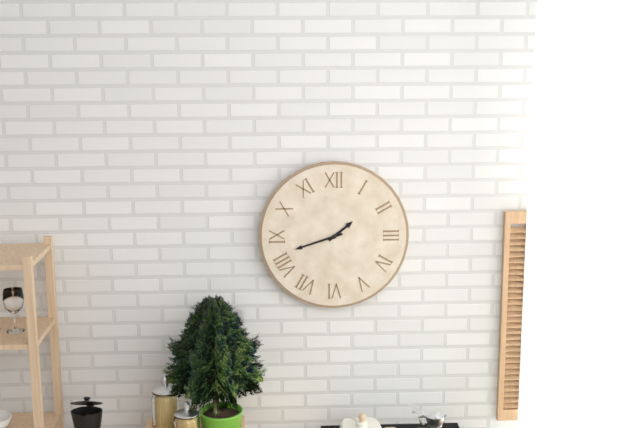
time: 1:42
